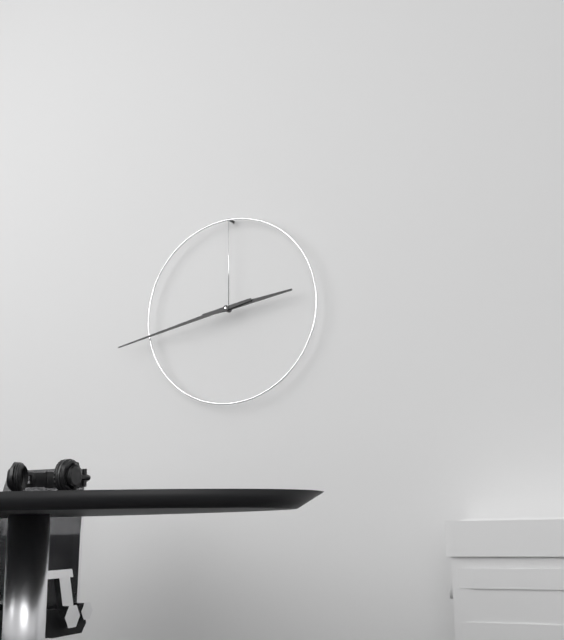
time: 2:43
